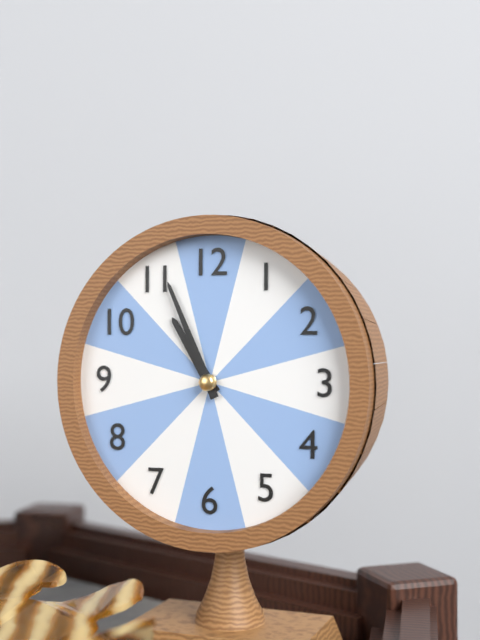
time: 10:56
